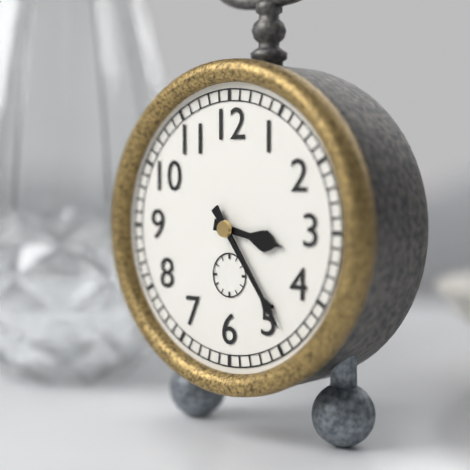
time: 3:24
